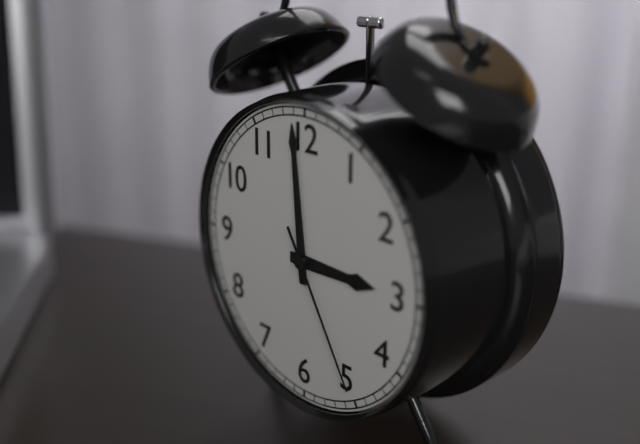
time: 2:59:25
